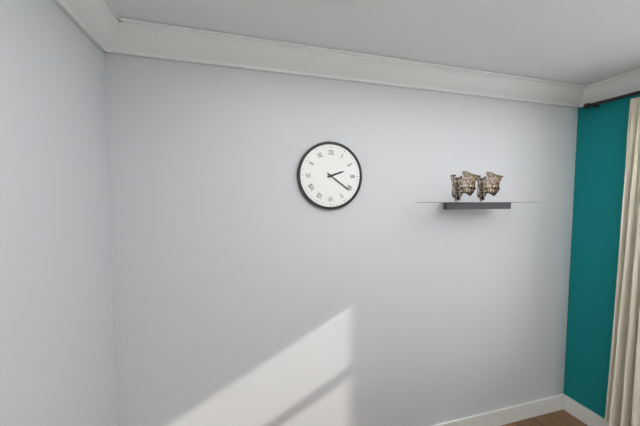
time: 2:21
